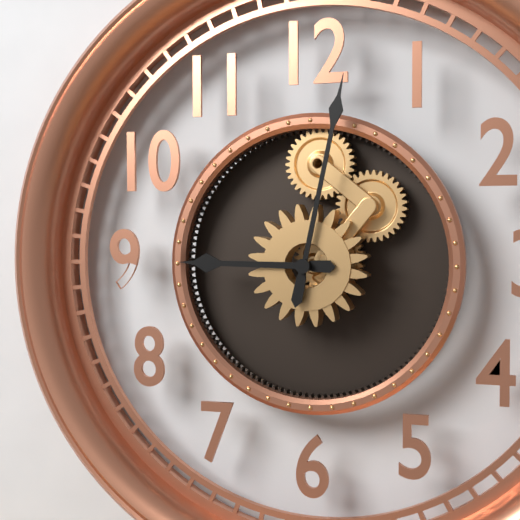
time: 9:02
